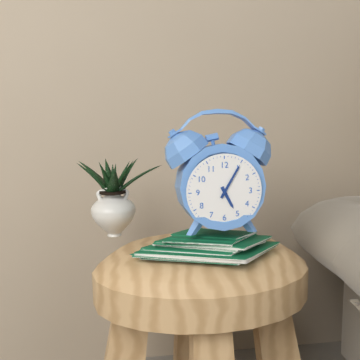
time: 5:05
